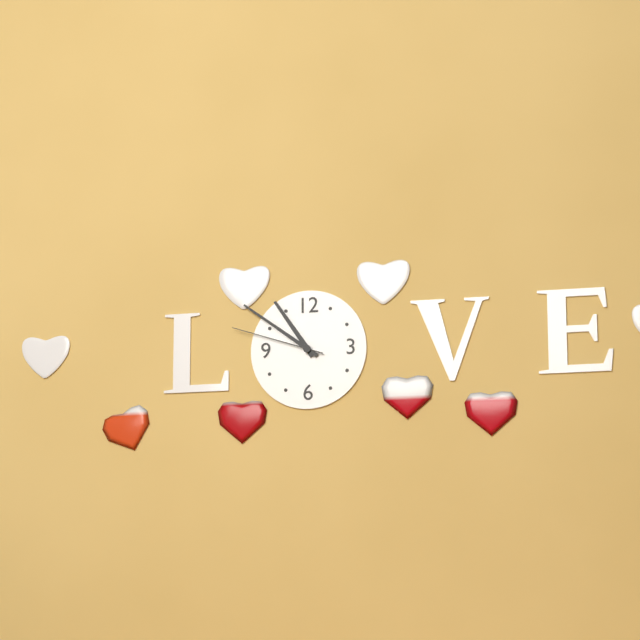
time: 10:51:48
